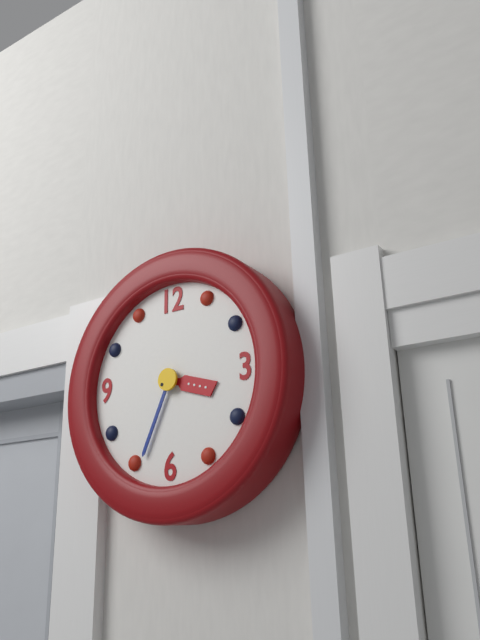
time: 3:34
